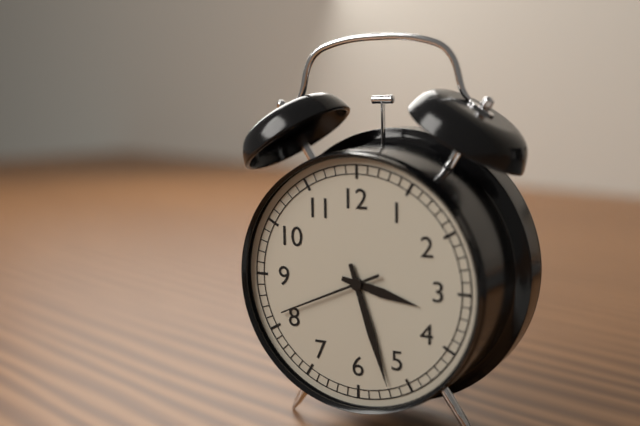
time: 3:27:41
